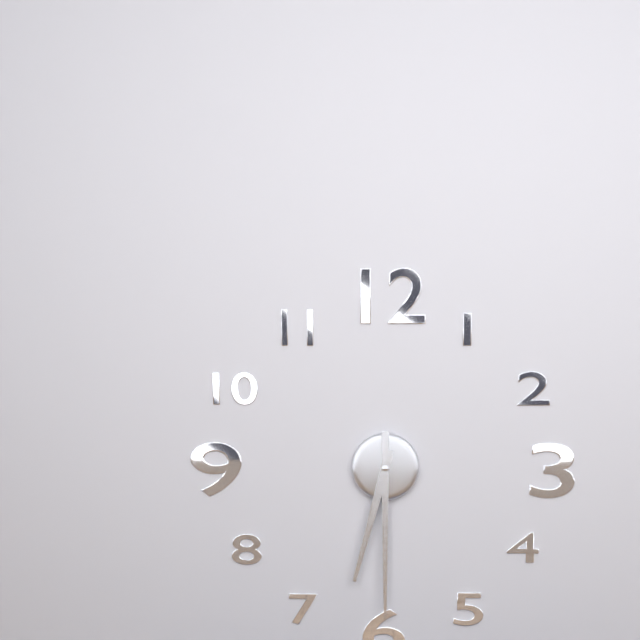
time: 6:30
